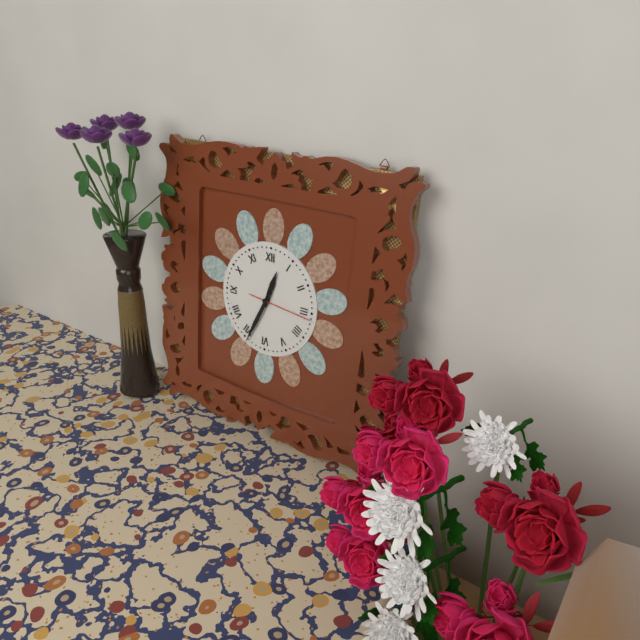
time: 12:34:16
